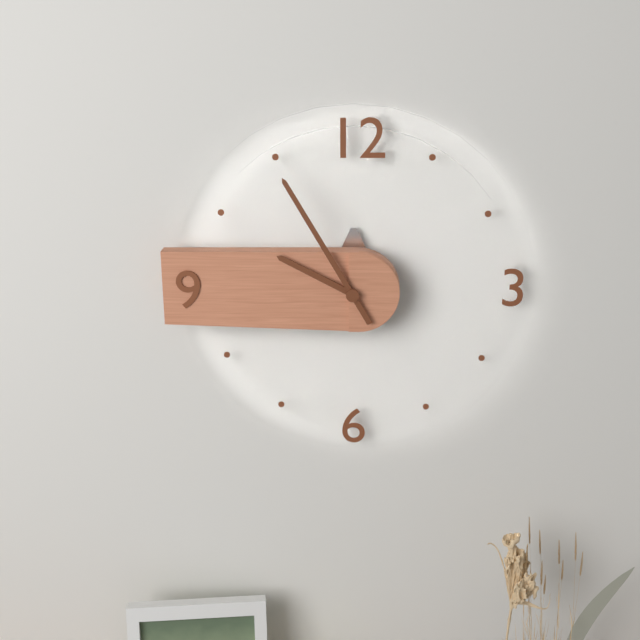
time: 9:55
